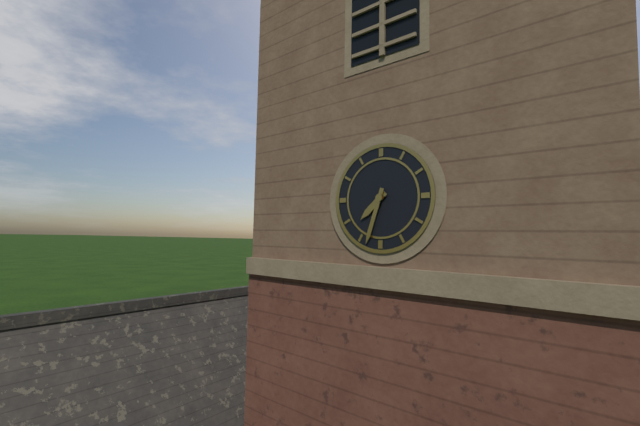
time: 7:33
